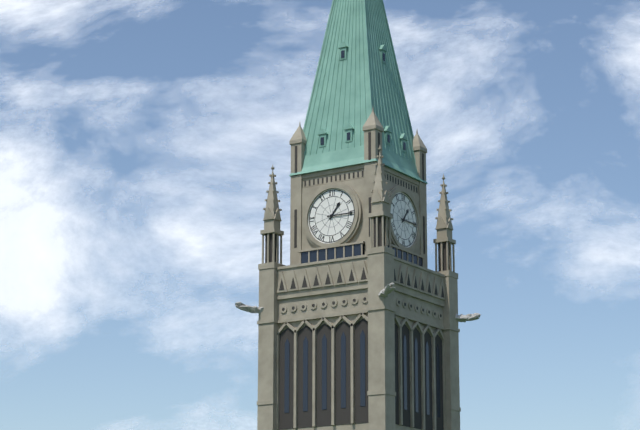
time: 1:15
